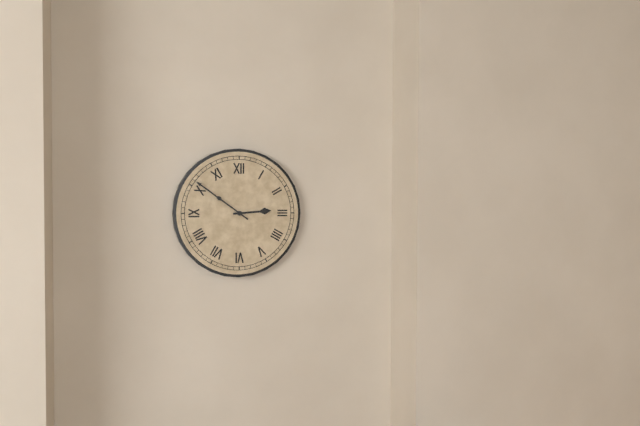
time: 2:51
